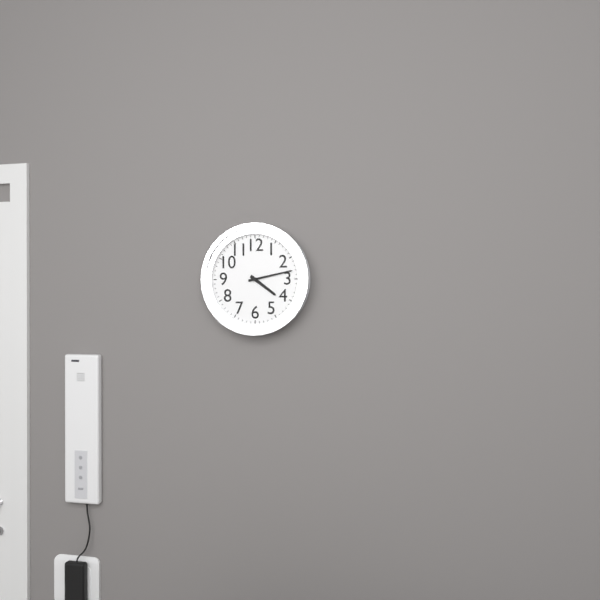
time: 4:13
